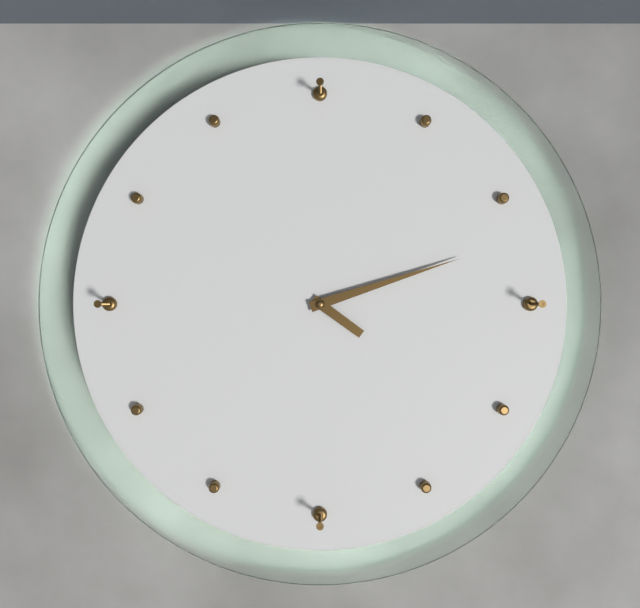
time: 4:12
